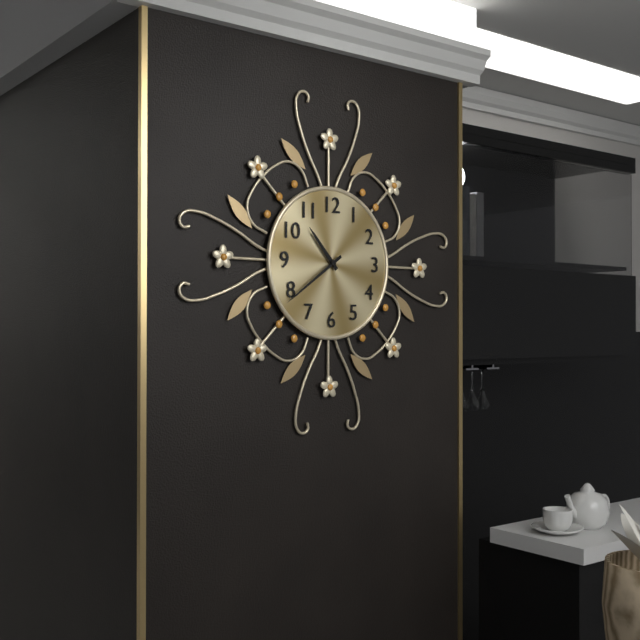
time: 10:39
